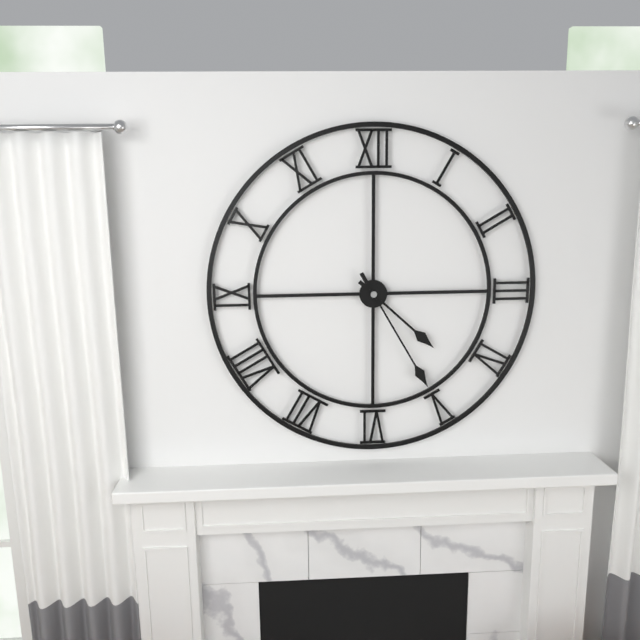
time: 4:25
